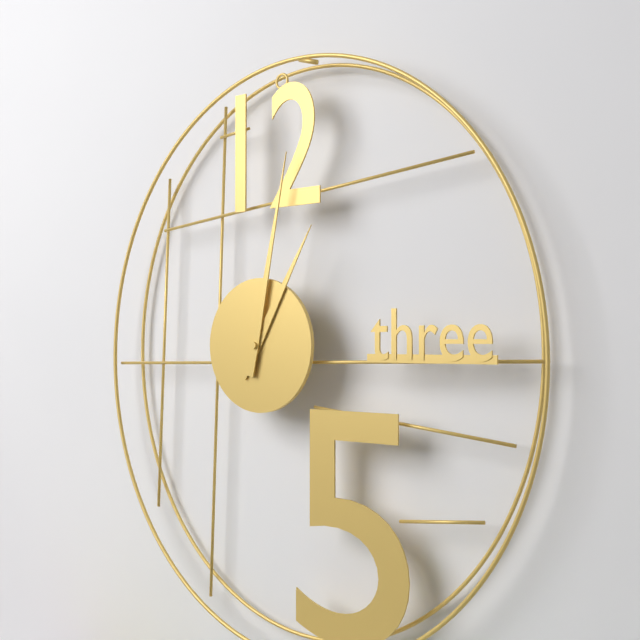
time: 1:02
